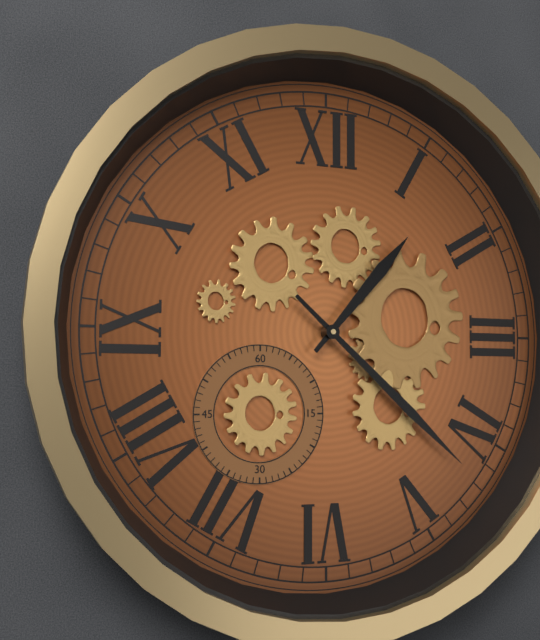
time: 1:22
